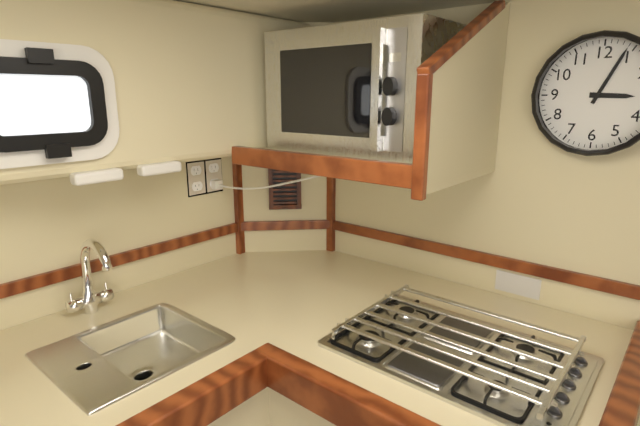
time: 3:04
